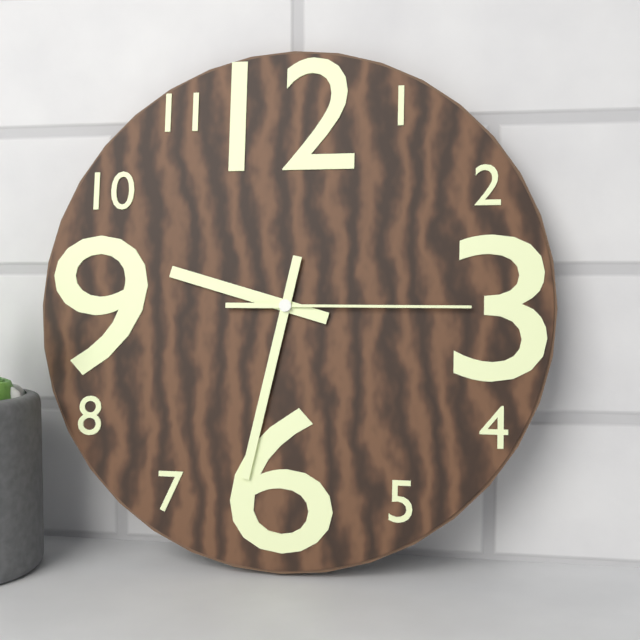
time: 9:32:15
